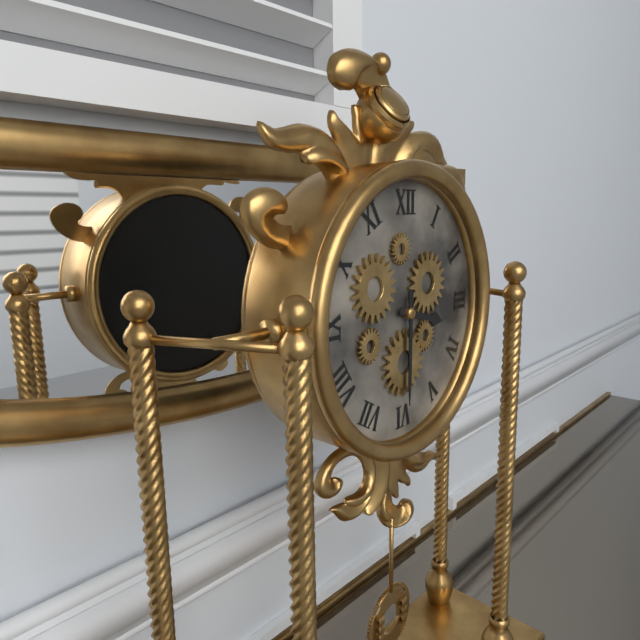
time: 3:30
